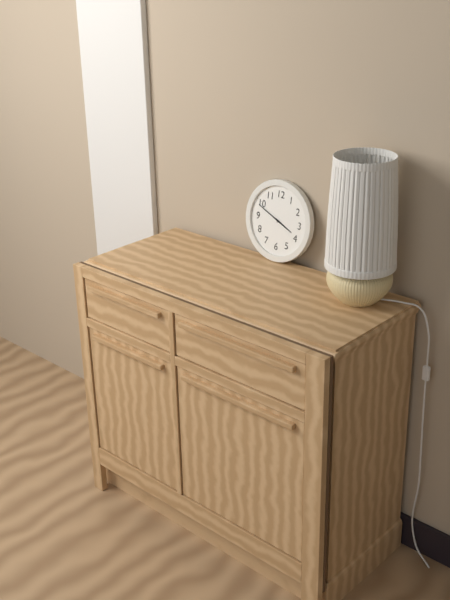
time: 3:49
